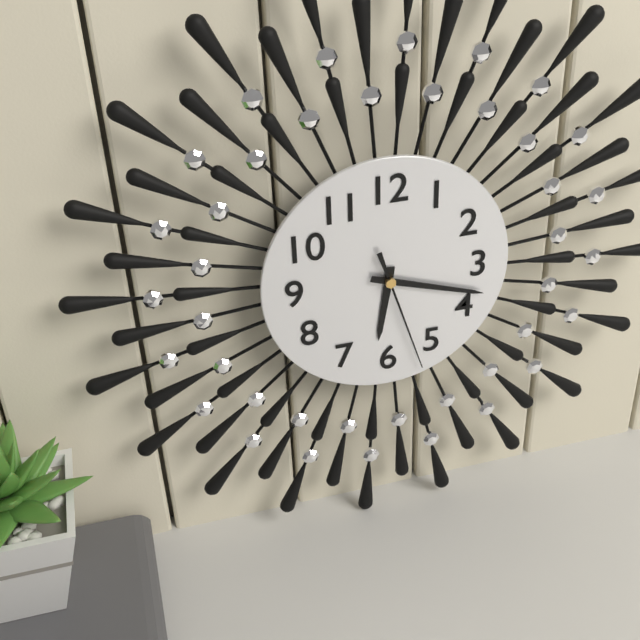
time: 6:18:27
